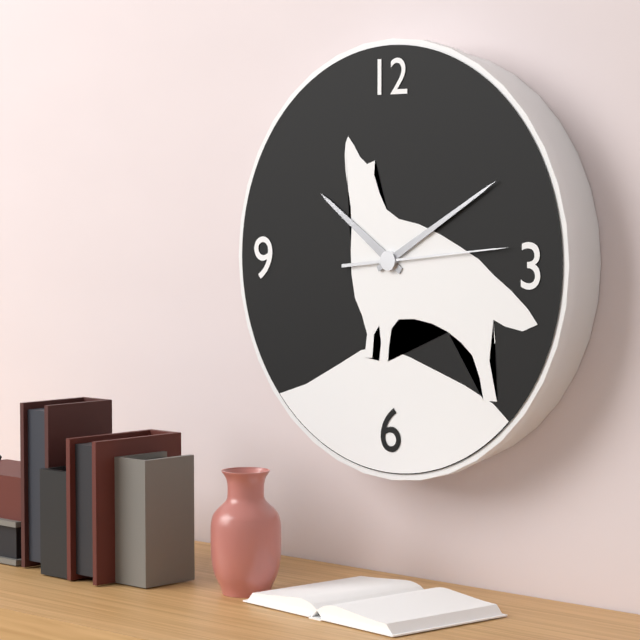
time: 10:10:14
